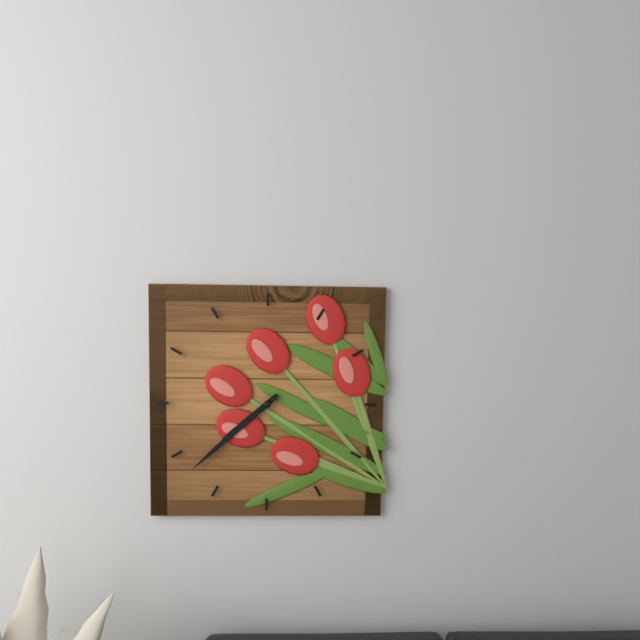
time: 7:38
